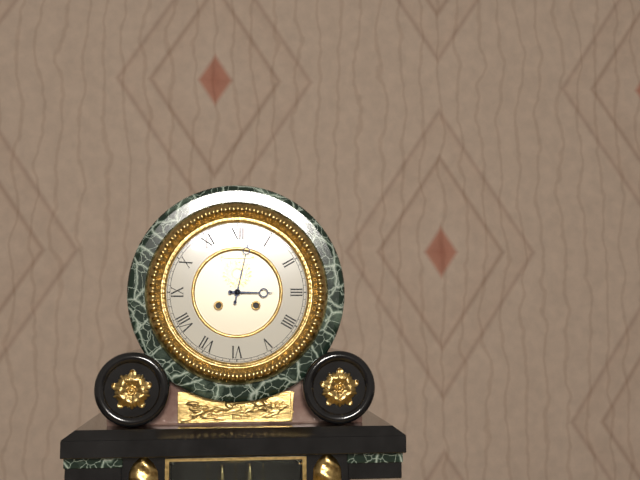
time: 3:02
